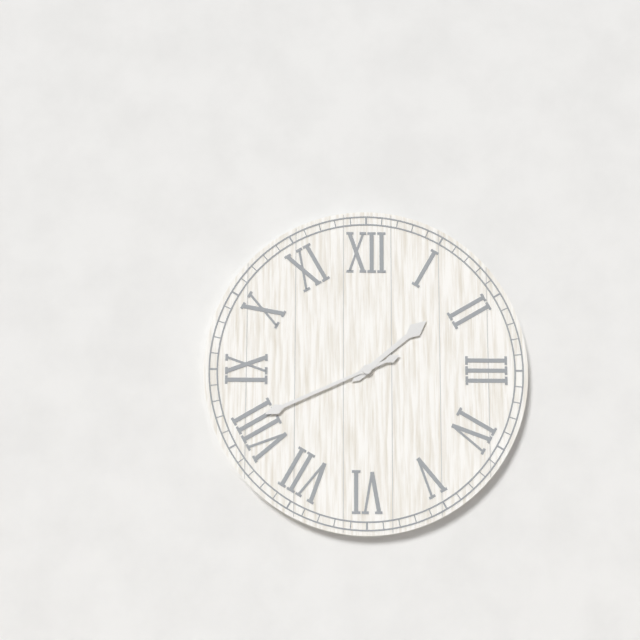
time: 1:41
